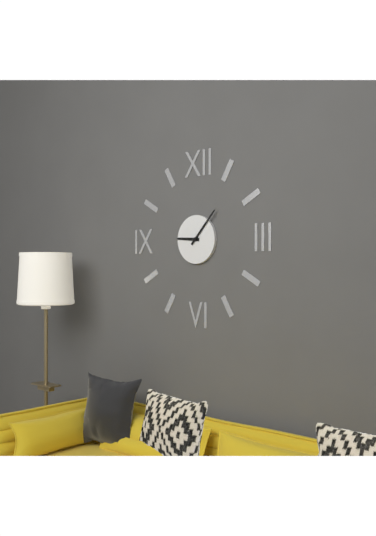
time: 9:07
